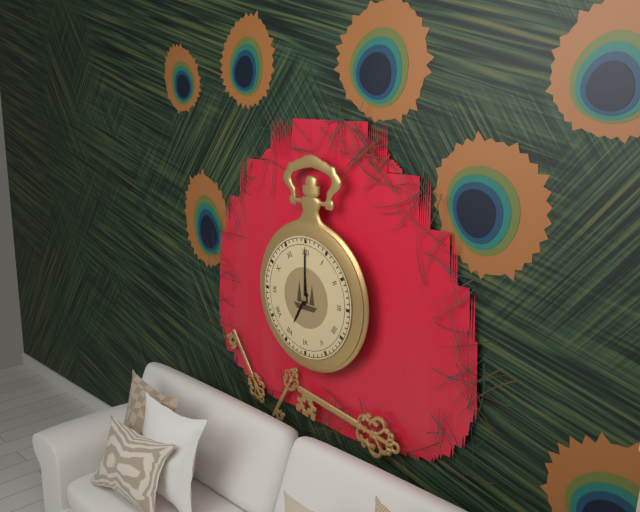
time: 7:00
